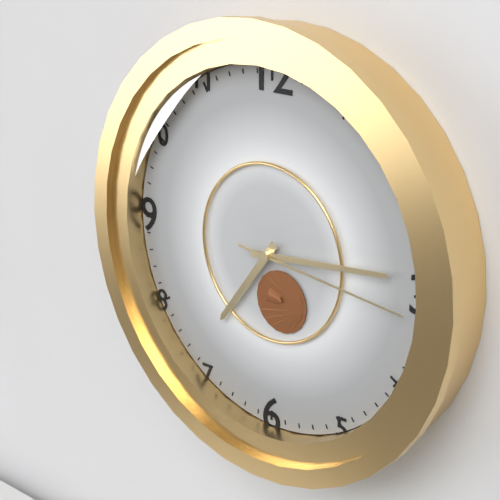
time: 7:14:16
